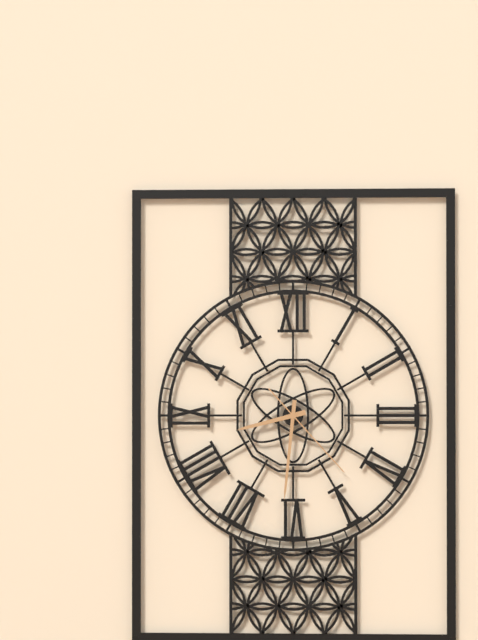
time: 8:31:23
